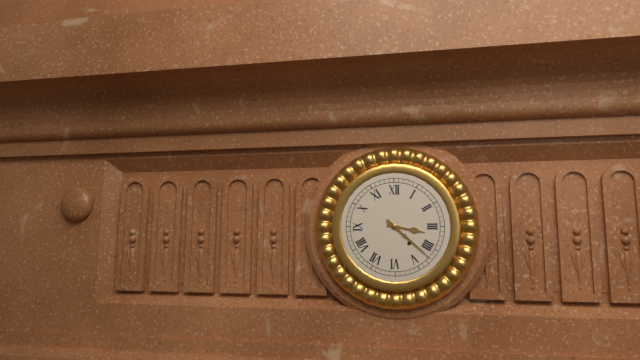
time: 3:22
